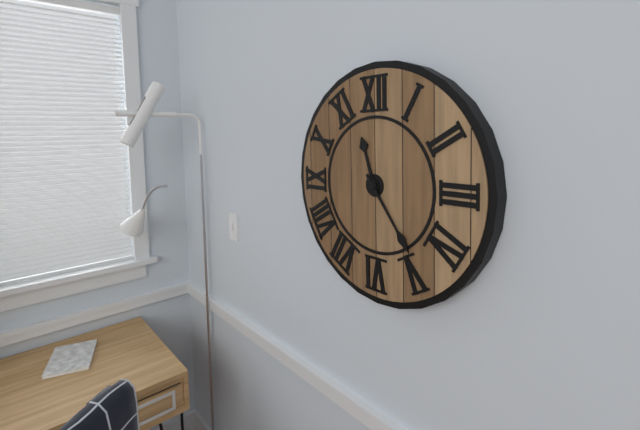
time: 11:24
